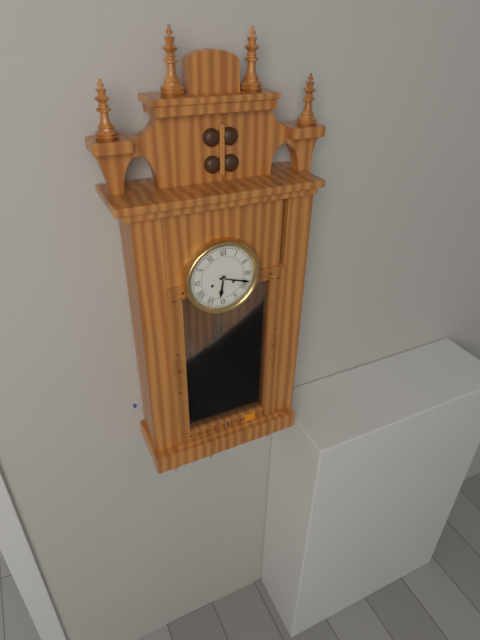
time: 6:18
